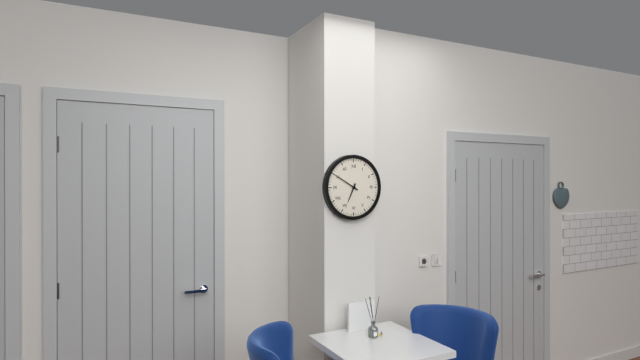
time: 6:50
